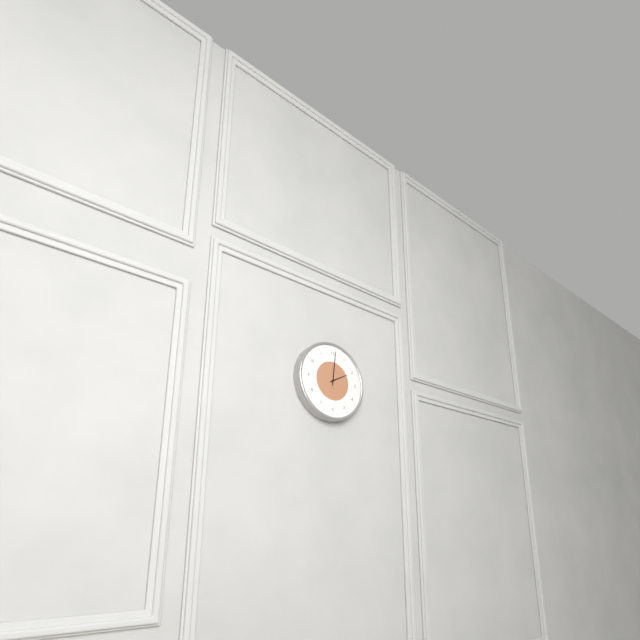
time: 2:01
